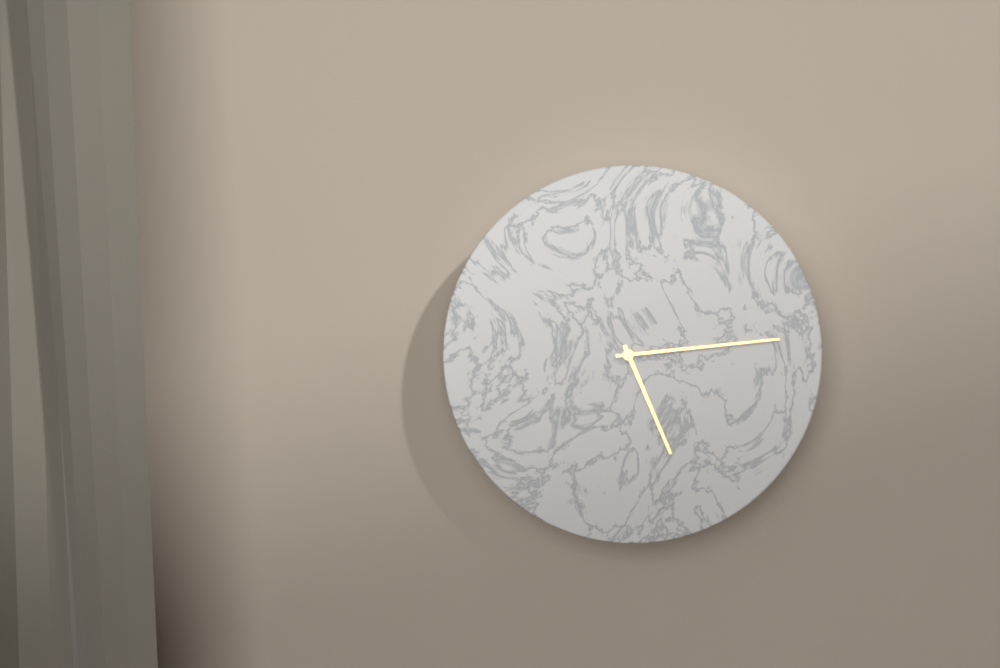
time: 5:14
